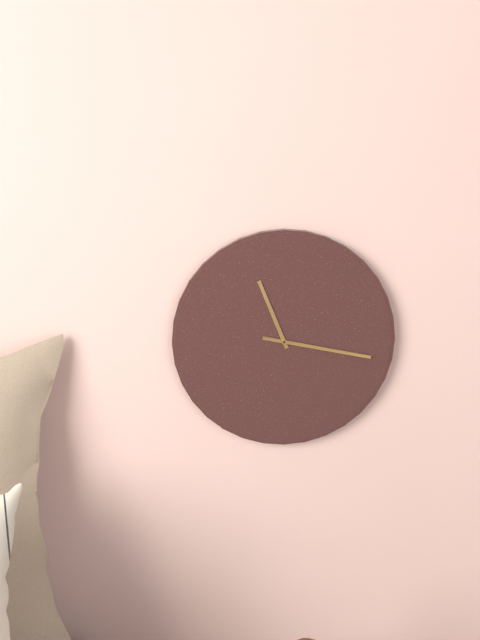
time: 11:17
